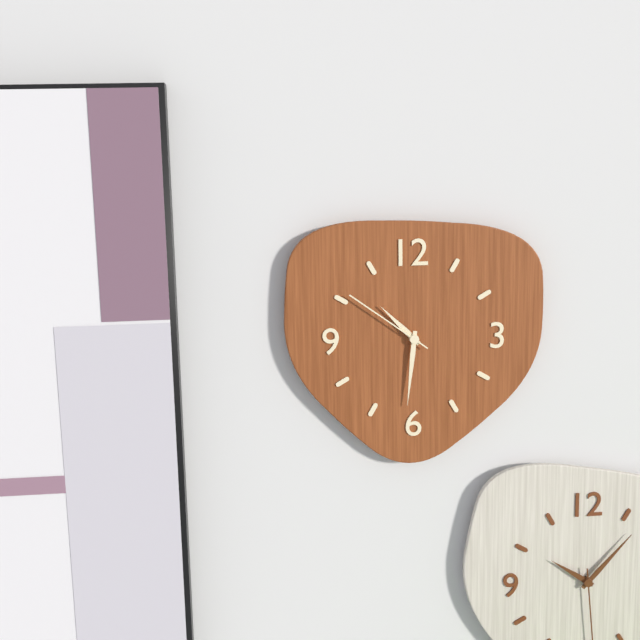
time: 10:31:51
